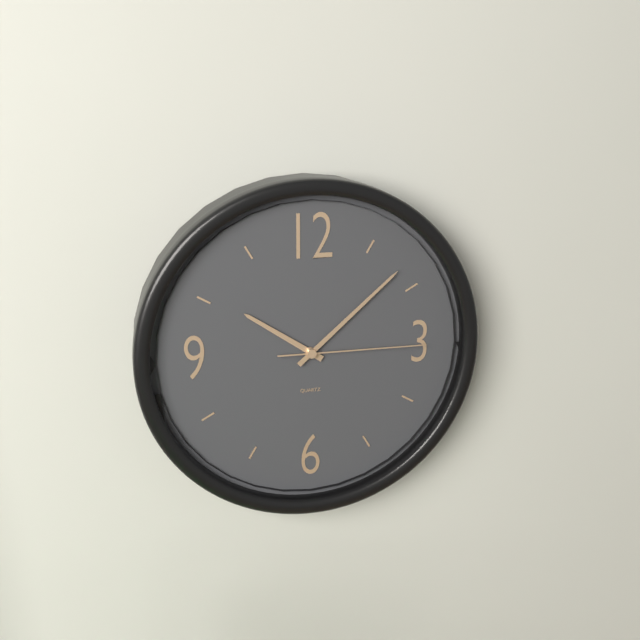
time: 10:08:15
